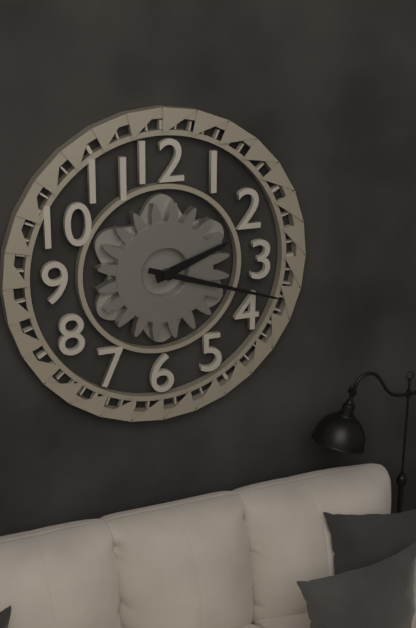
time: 2:18
